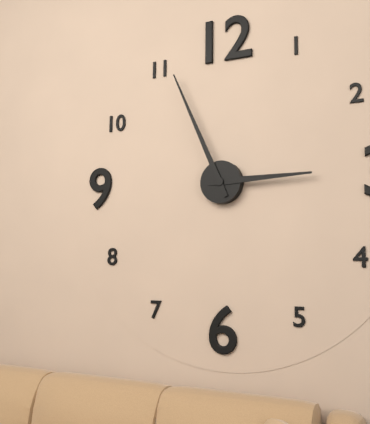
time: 2:56
